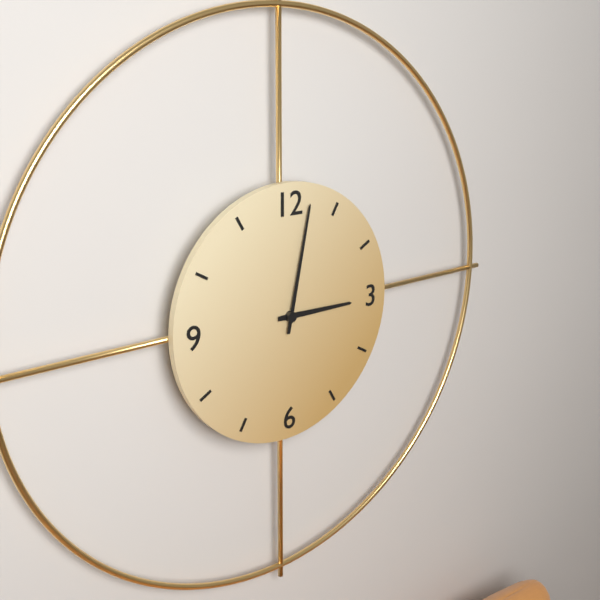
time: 3:02
